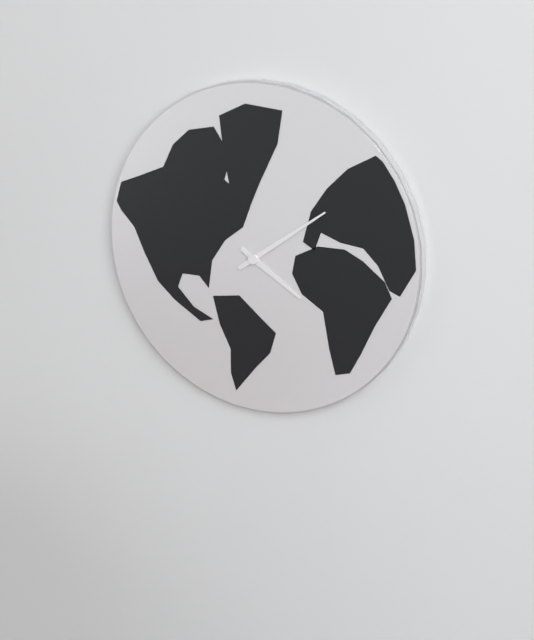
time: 4:09
